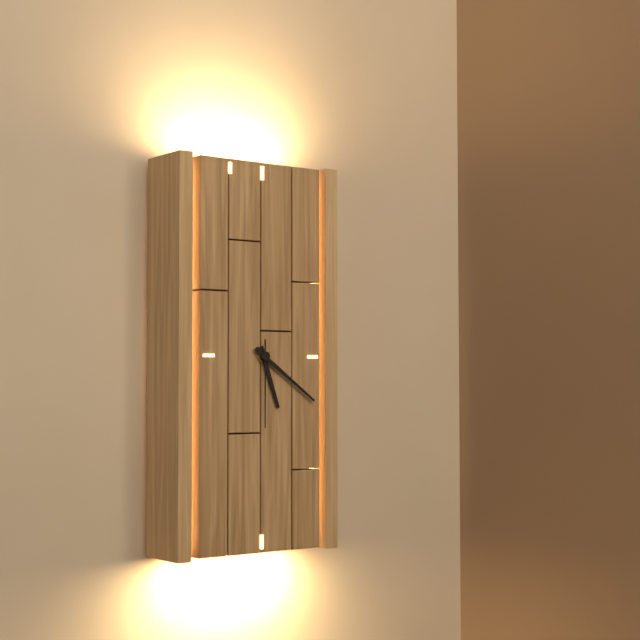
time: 5:21:30
